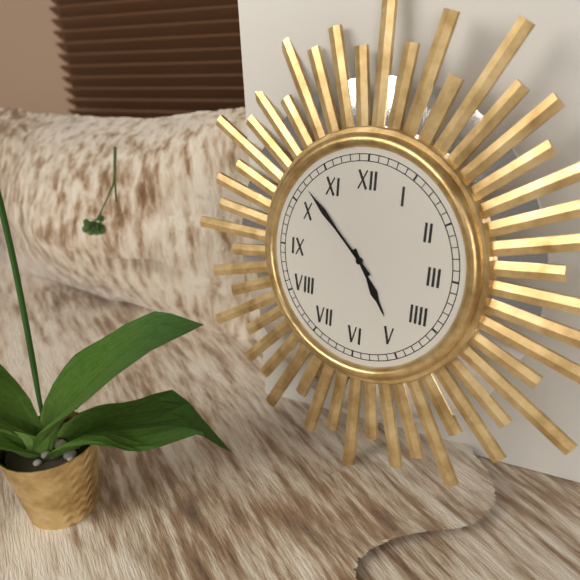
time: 4:52
